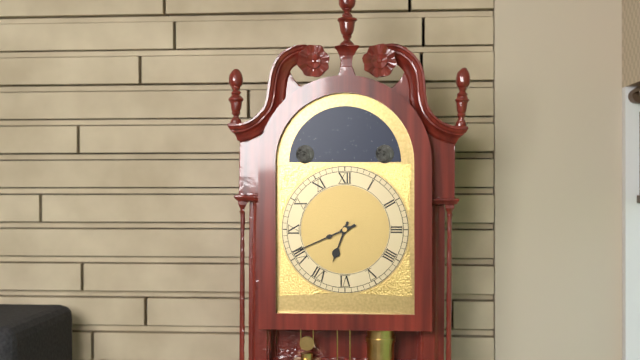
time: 6:41
